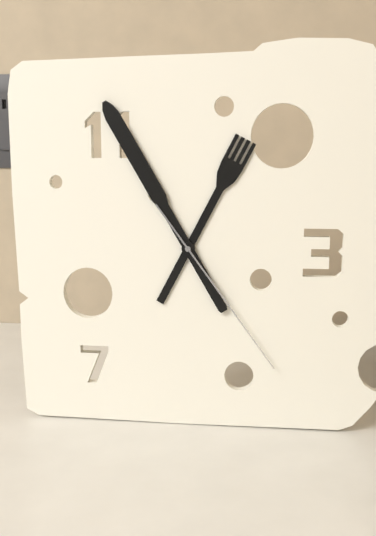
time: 12:55:24
